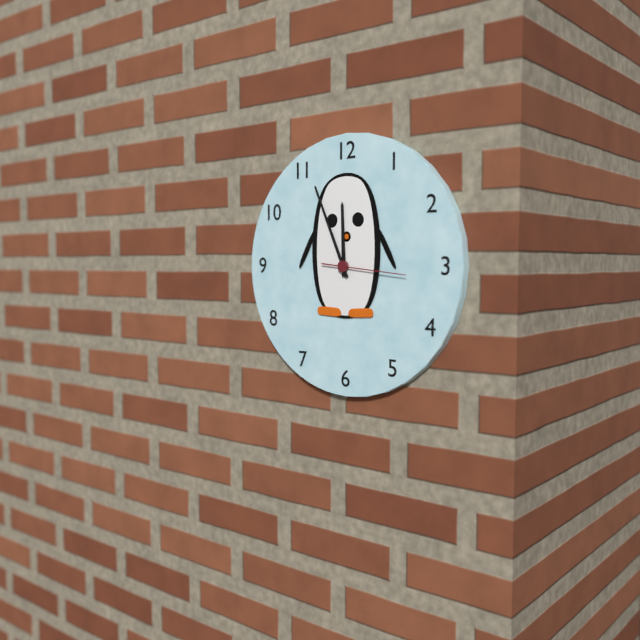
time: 11:56:16
